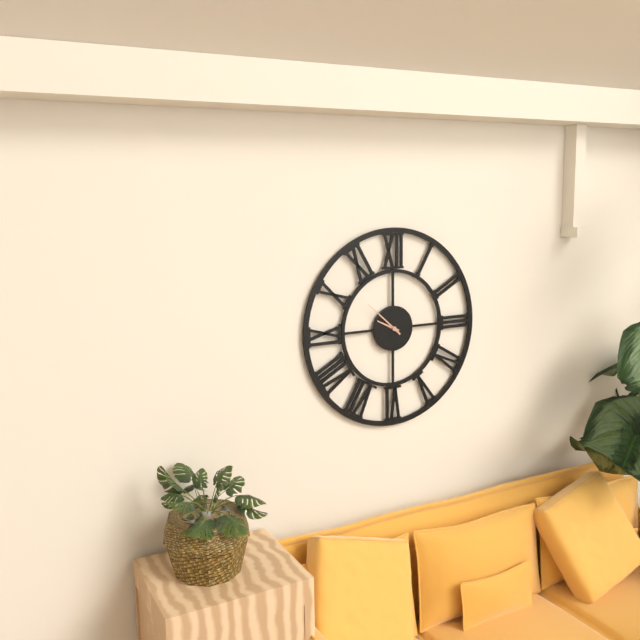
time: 9:52
